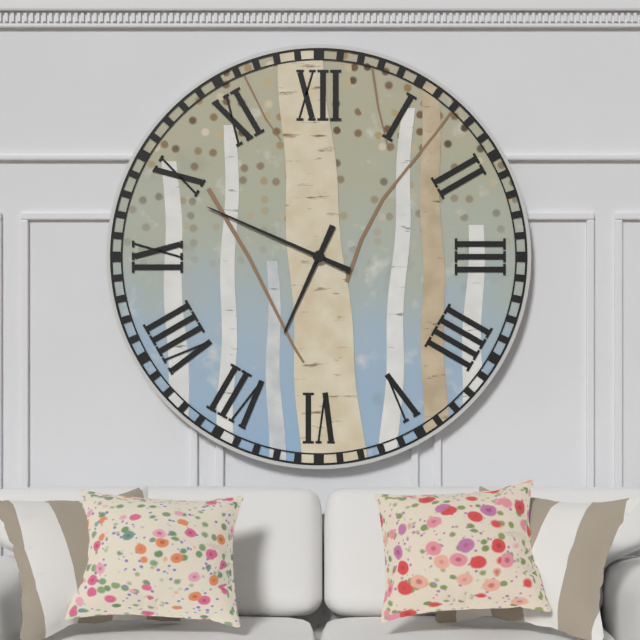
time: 6:49
